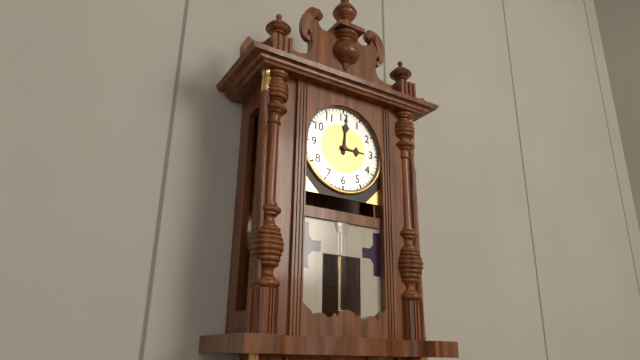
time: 3:01
